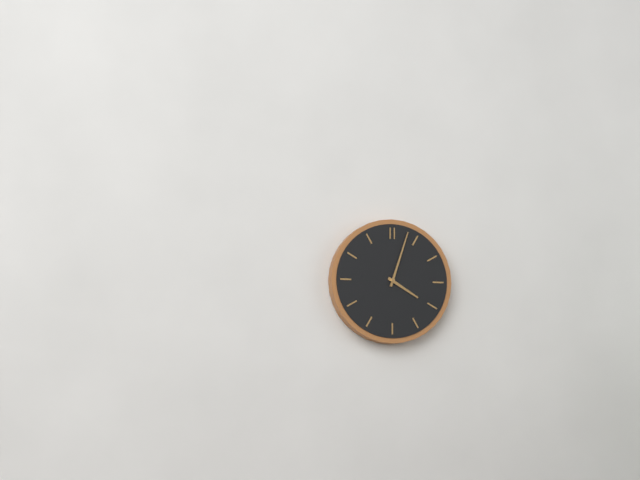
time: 4:03
